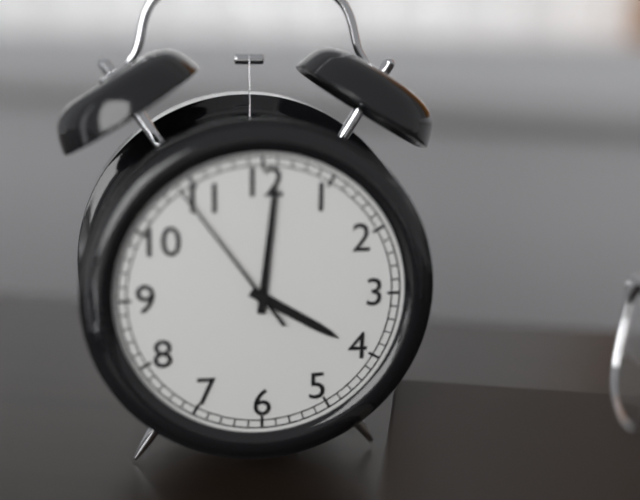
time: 4:01:54
